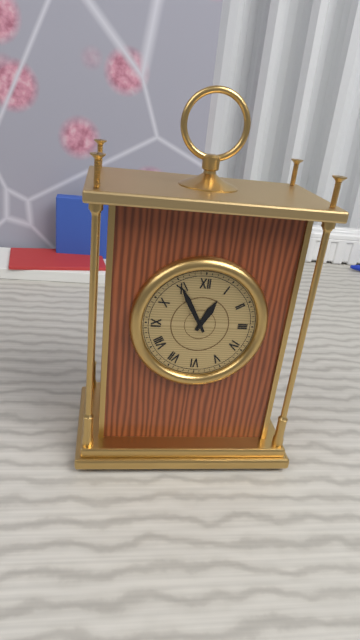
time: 12:55
